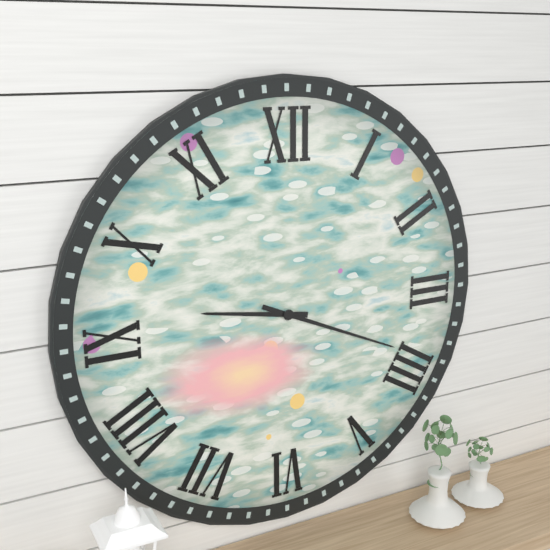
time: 9:19
